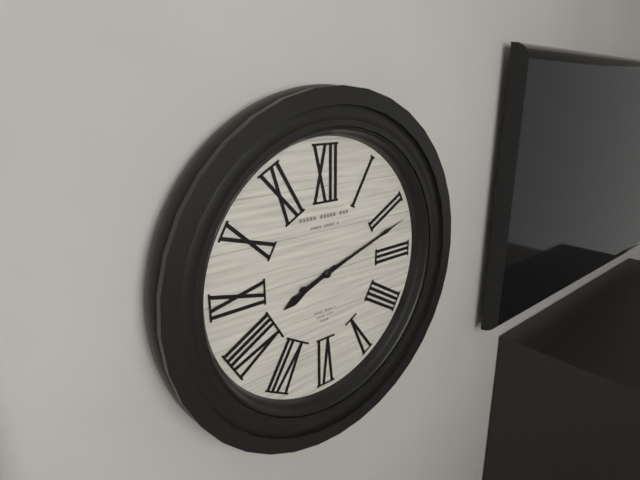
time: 8:12
